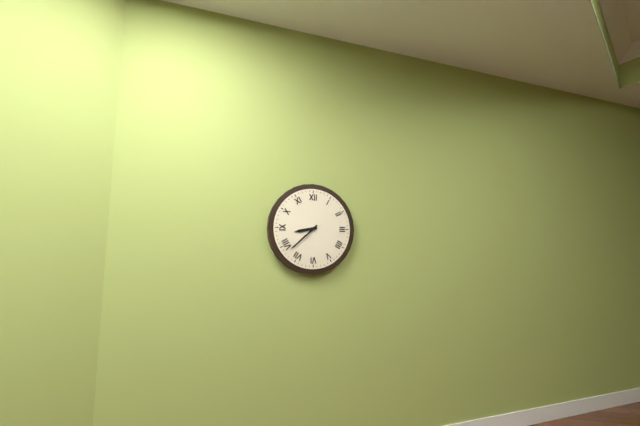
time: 8:38
